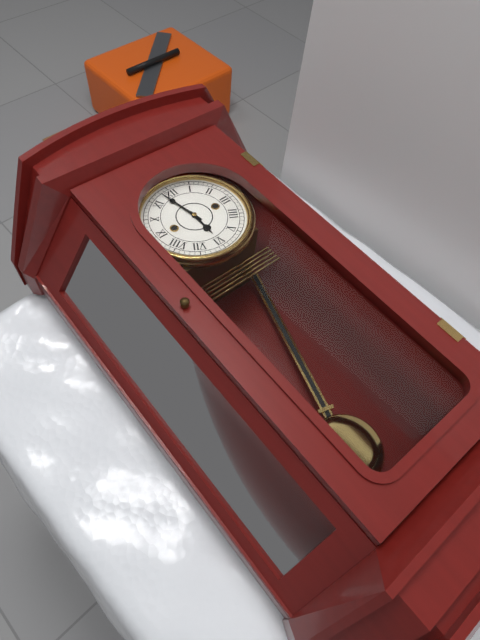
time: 5:58
